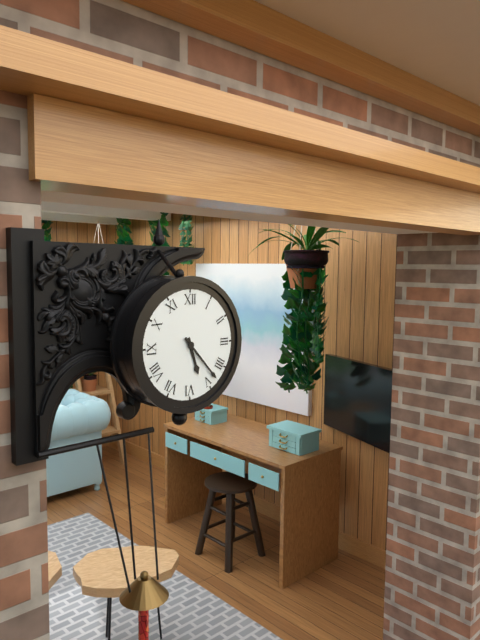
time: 5:23
